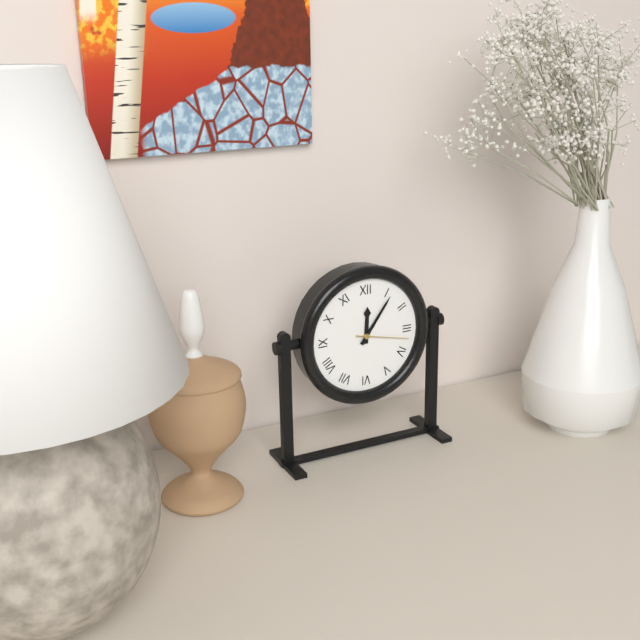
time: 12:06:17
